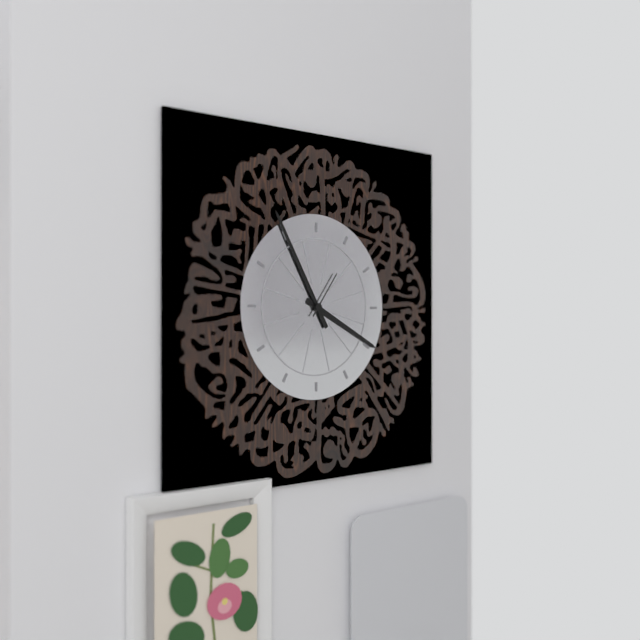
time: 3:55
